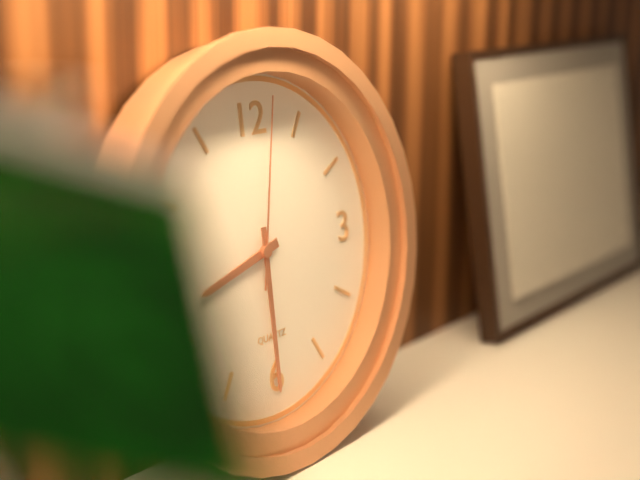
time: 8:30:02
